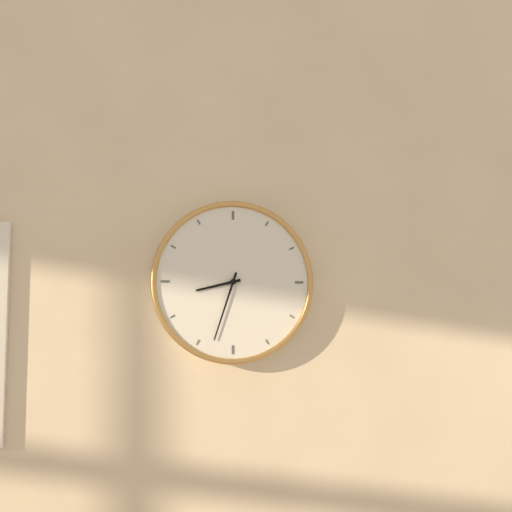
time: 8:33
